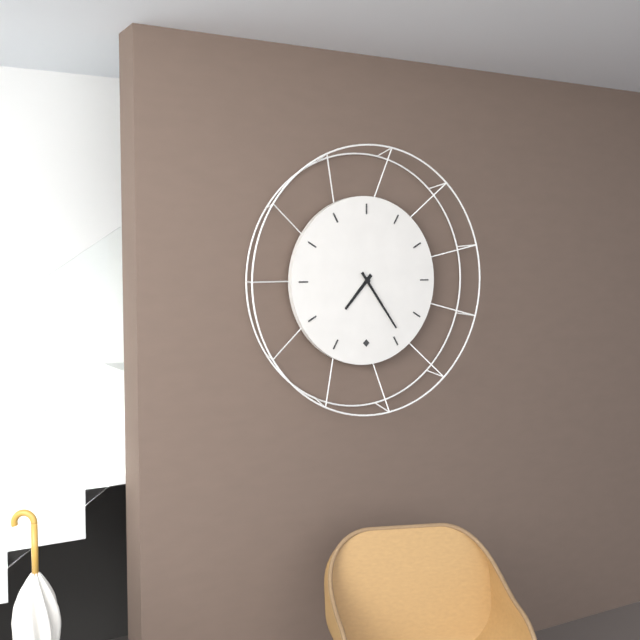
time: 7:24
